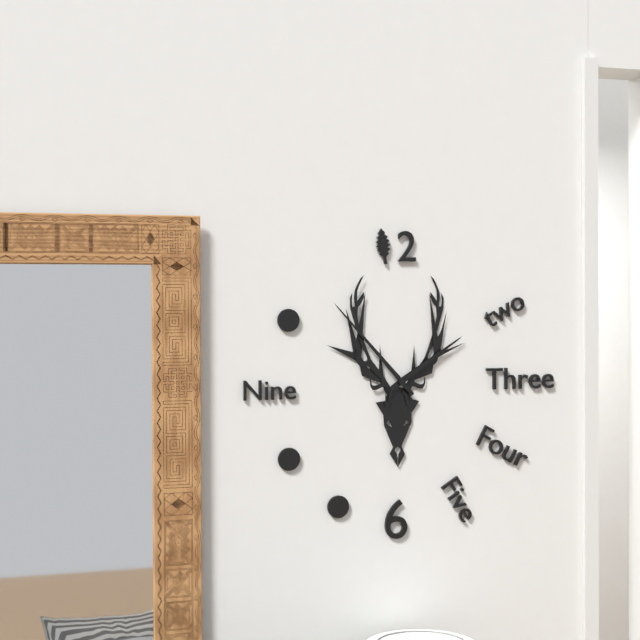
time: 1:53
